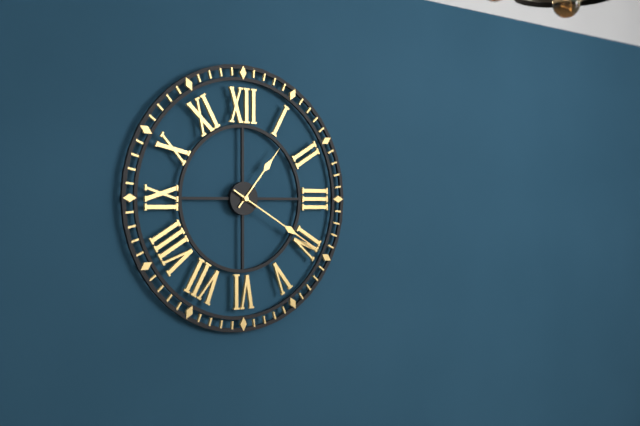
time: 1:20
